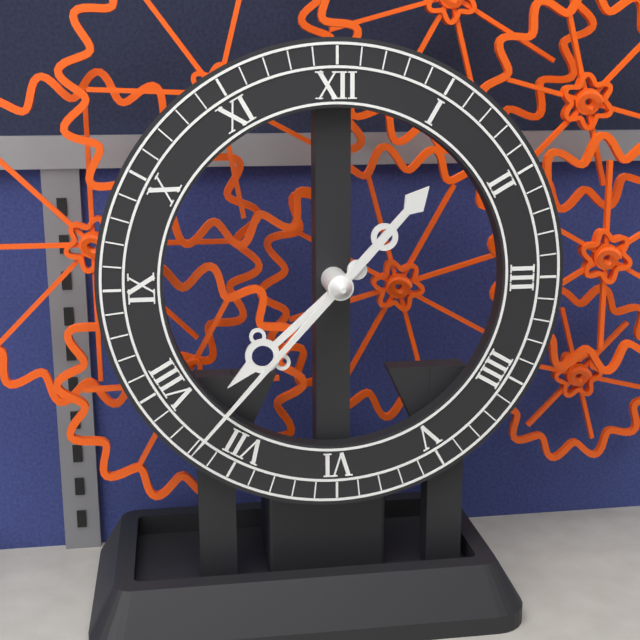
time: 7:37
